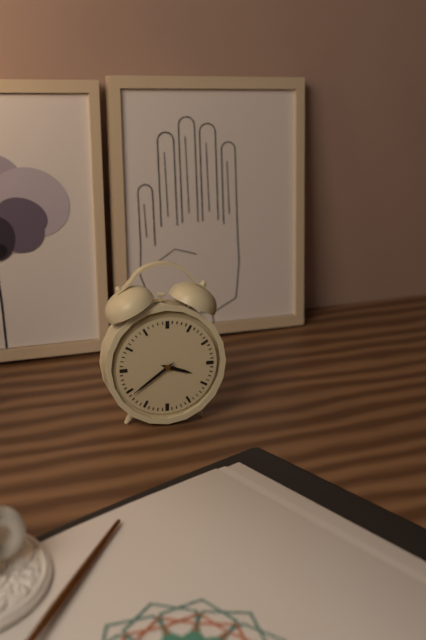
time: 3:39
